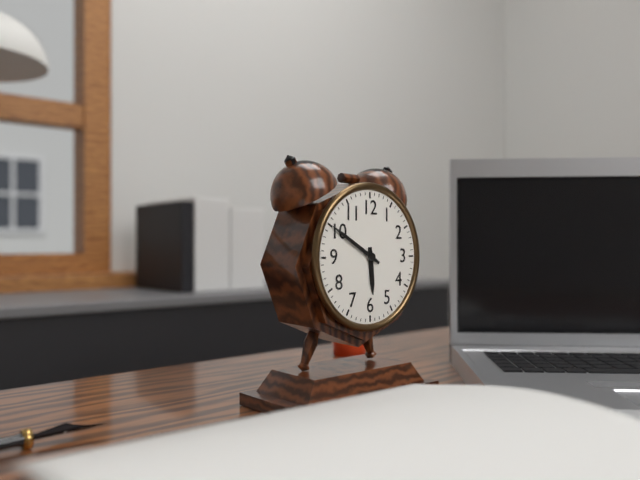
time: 5:50
